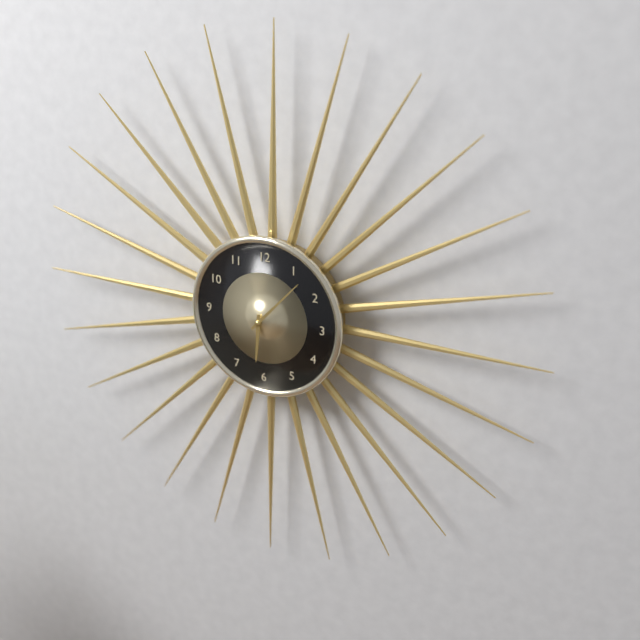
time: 6:07
